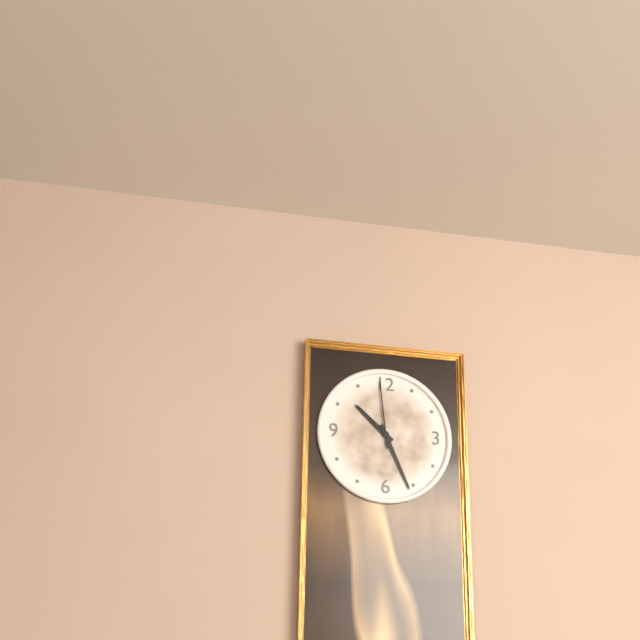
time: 10:26:59
